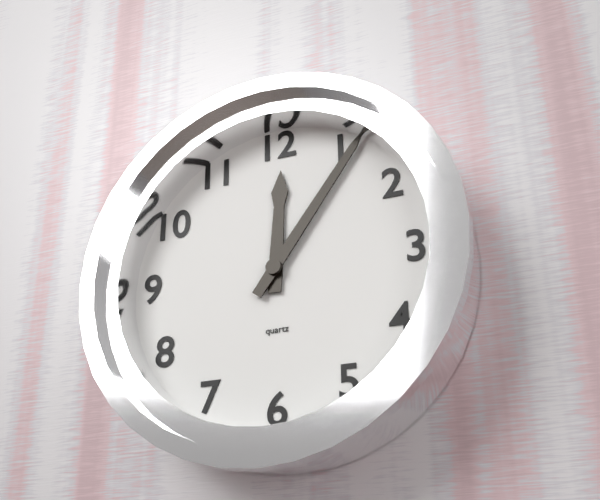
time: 12:06
